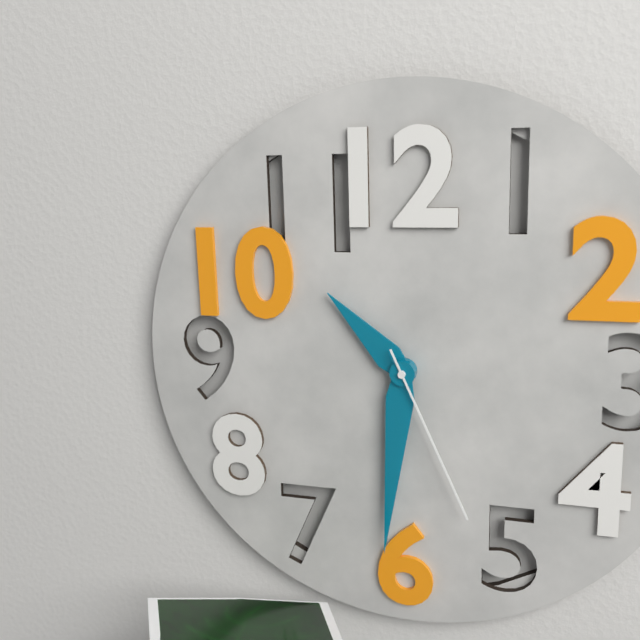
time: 10:31:26
